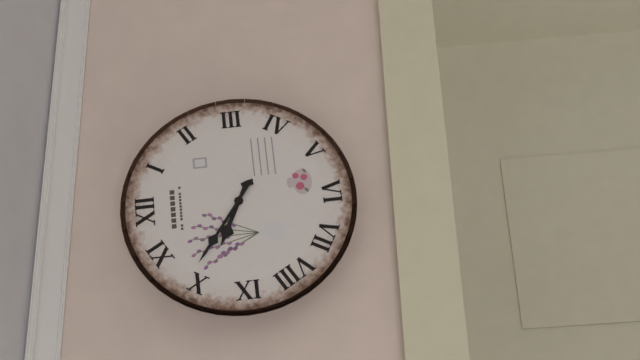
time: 9:51
